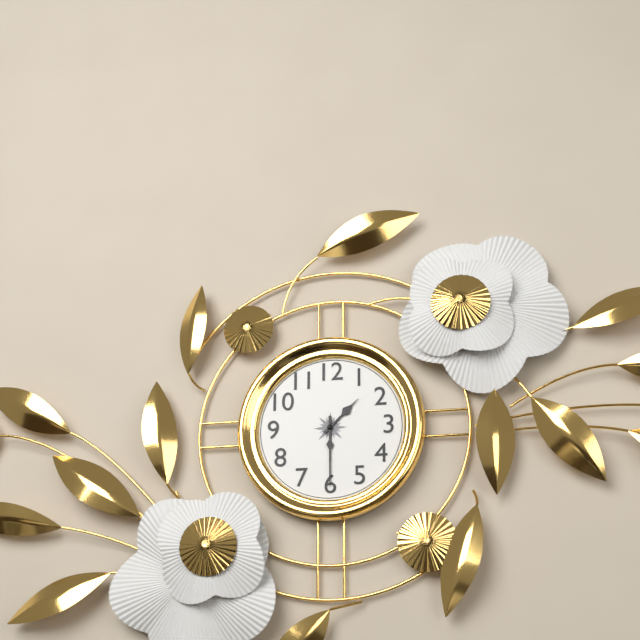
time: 1:30
